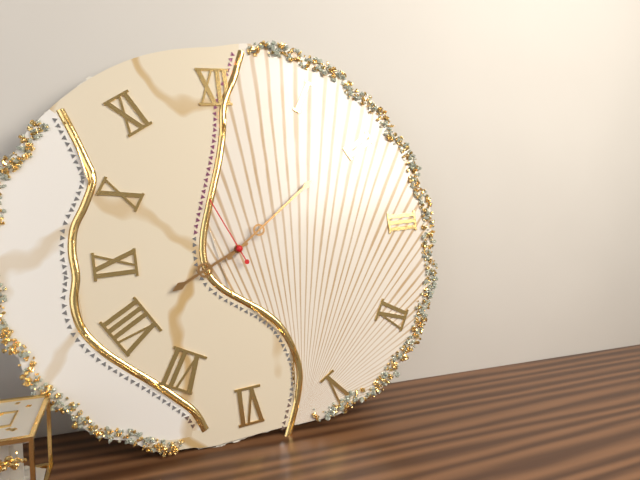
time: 8:09:56
